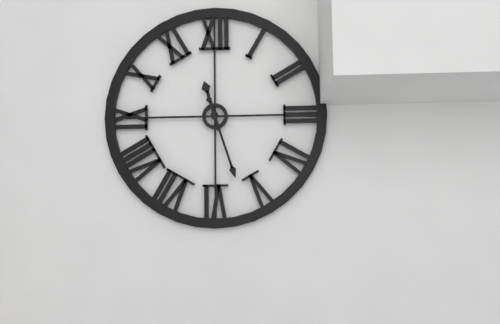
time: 11:27
